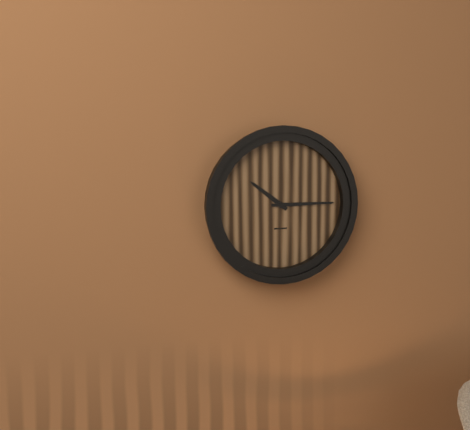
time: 10:15
